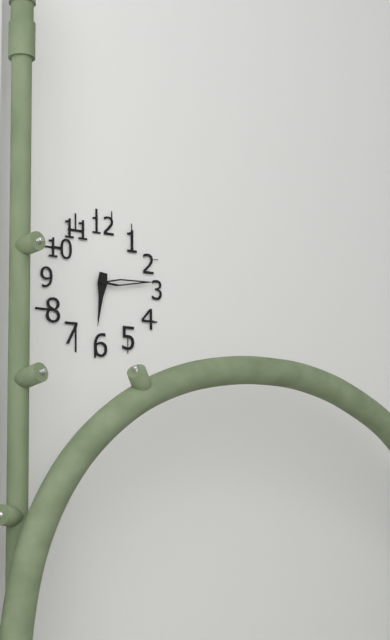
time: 6:14
